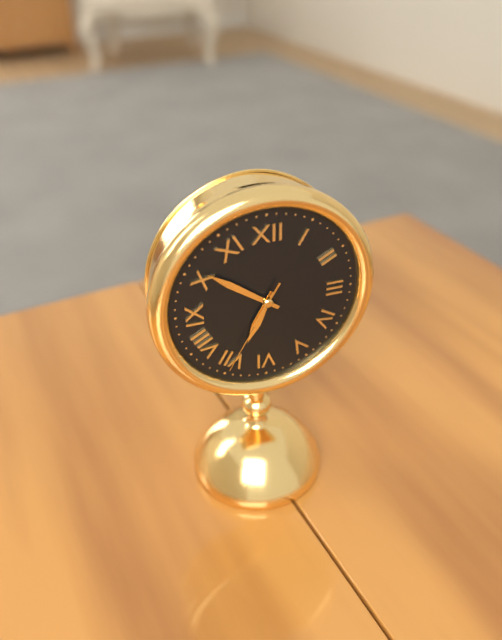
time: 6:51:35
